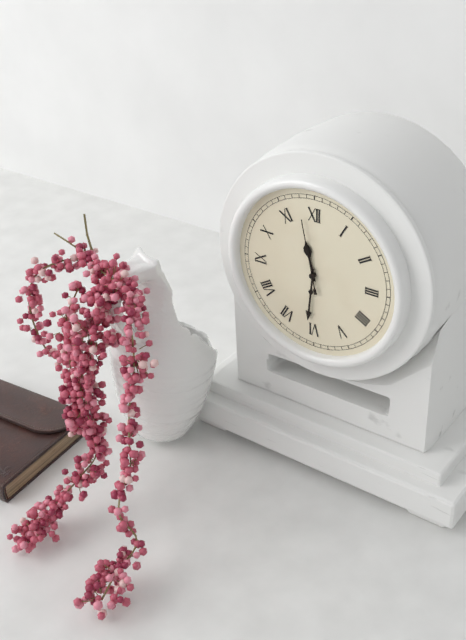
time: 11:31:58
